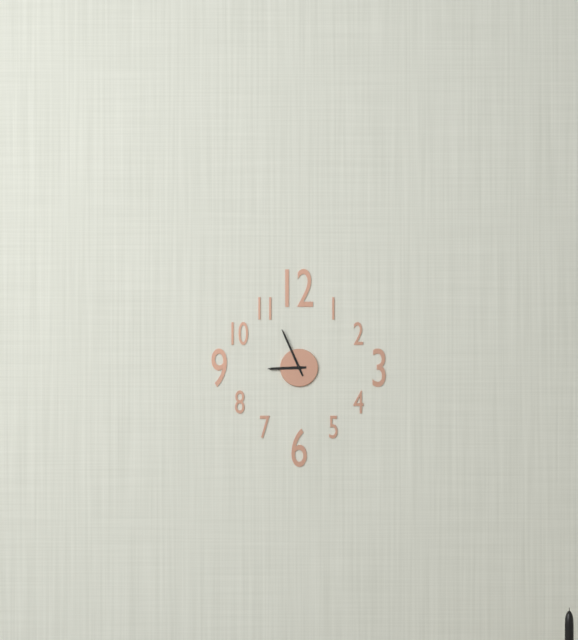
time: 8:56
